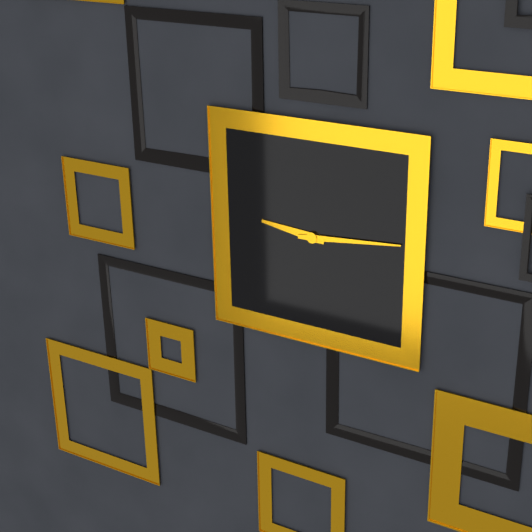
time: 9:14
